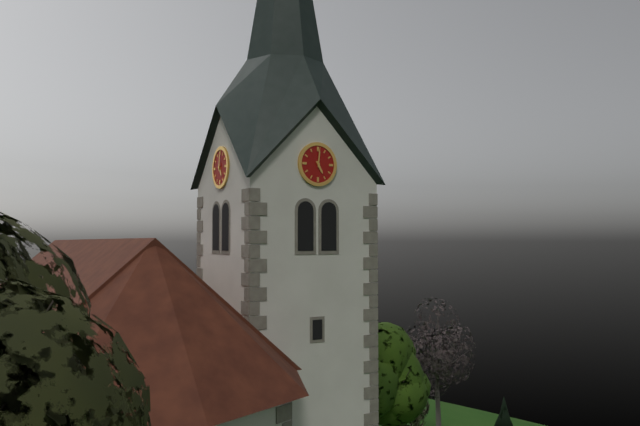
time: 5:01
